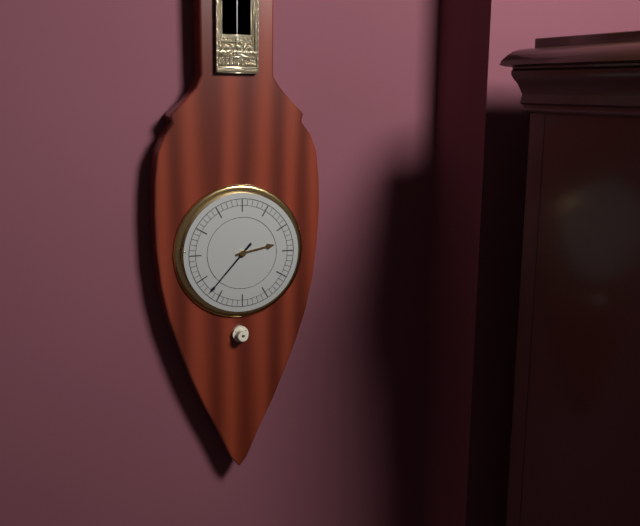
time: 2:37
